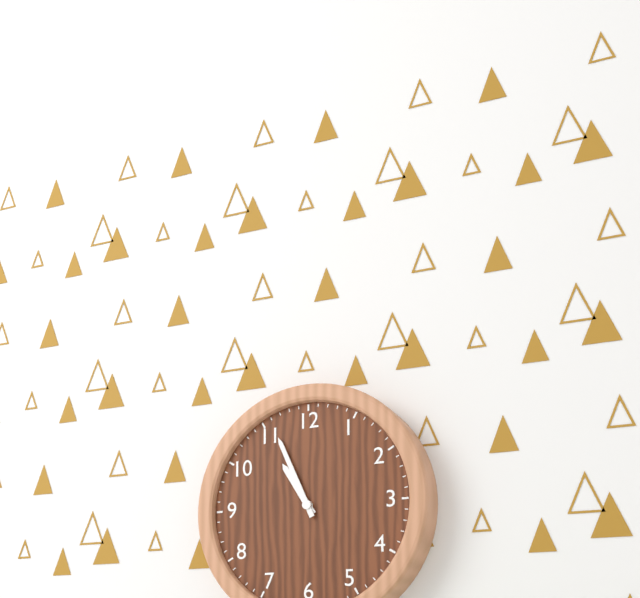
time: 10:56
